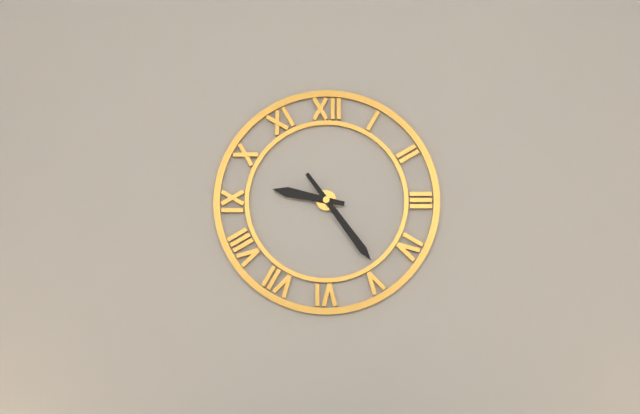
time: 9:24
